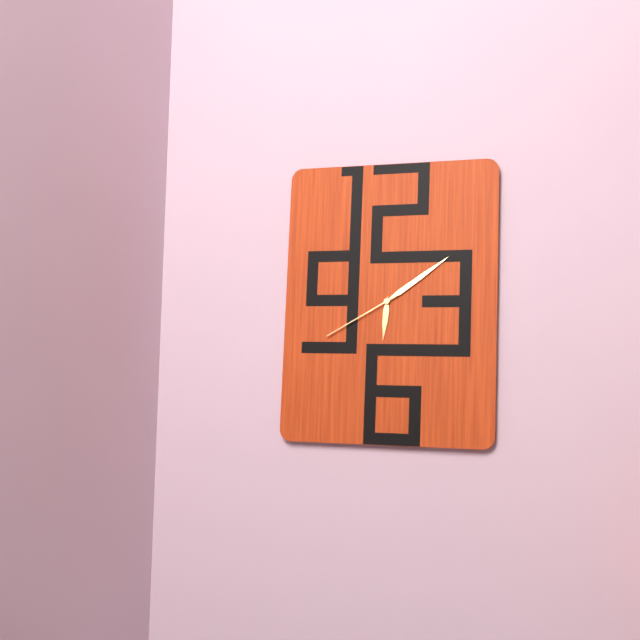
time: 6:09:40
